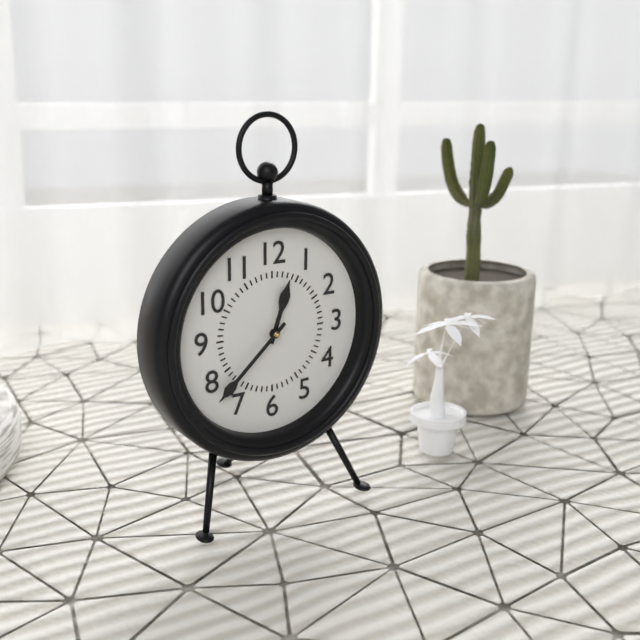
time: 12:38
